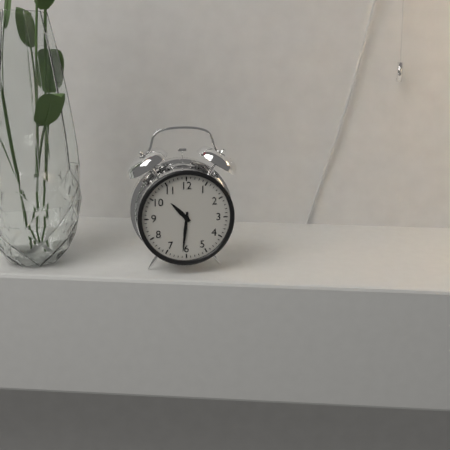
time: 10:31
